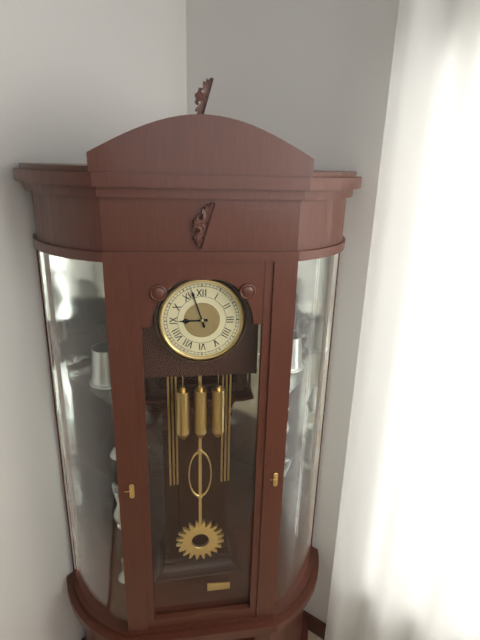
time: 8:57
